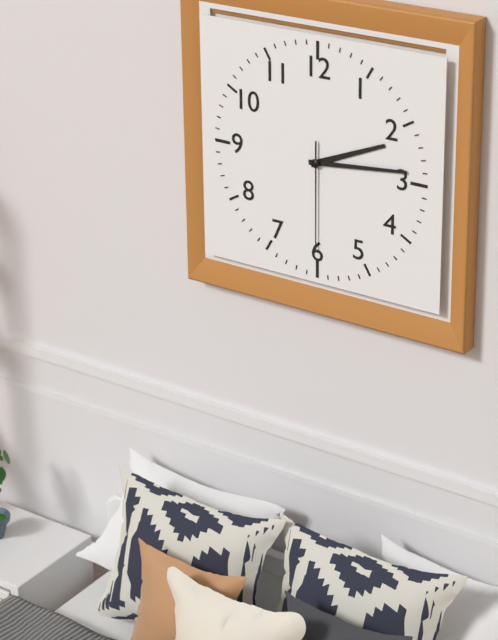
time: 2:14:30
